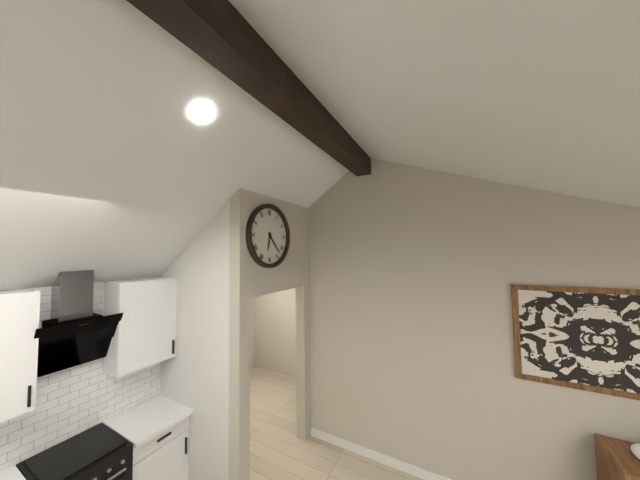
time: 6:23
